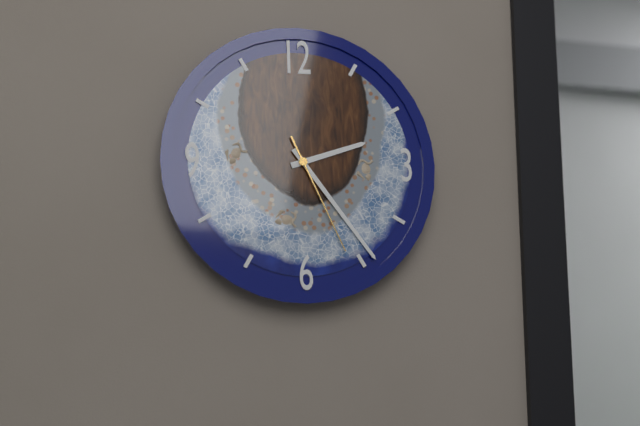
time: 2:24:26
